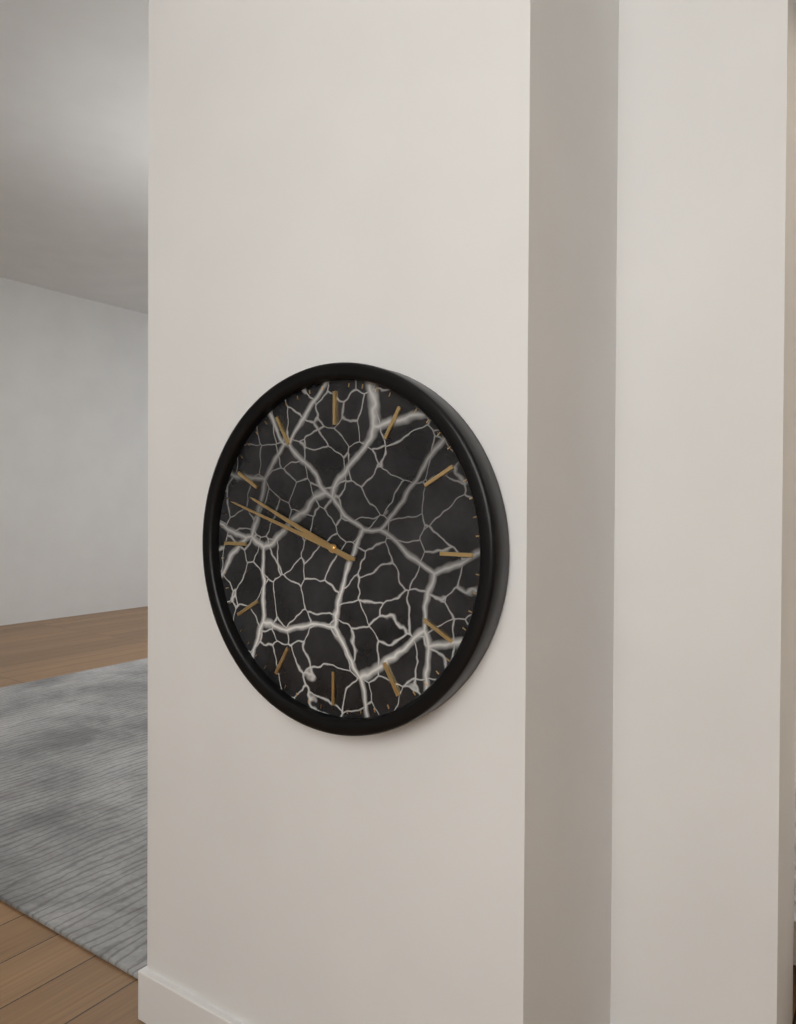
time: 9:48
